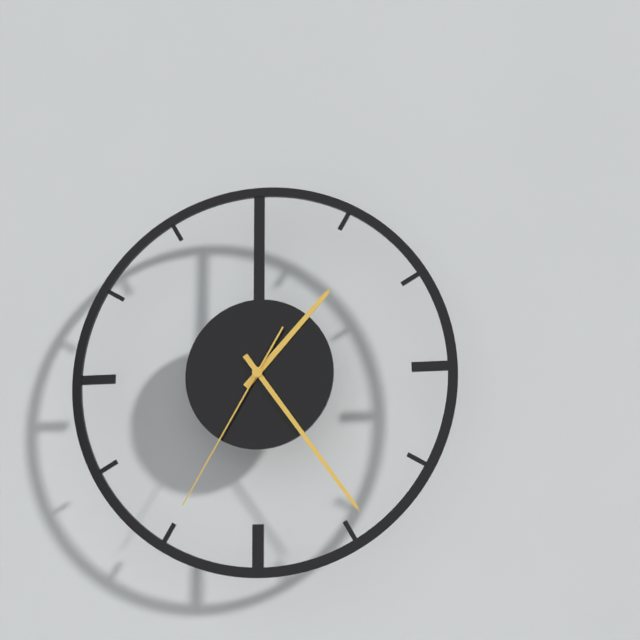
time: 1:24:35
